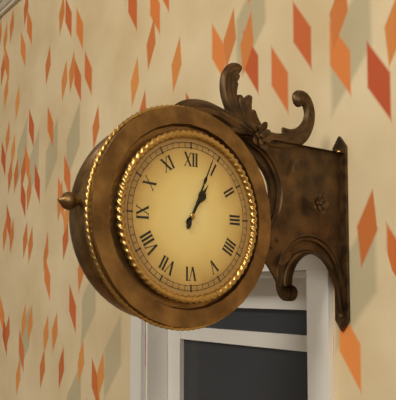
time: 1:04
